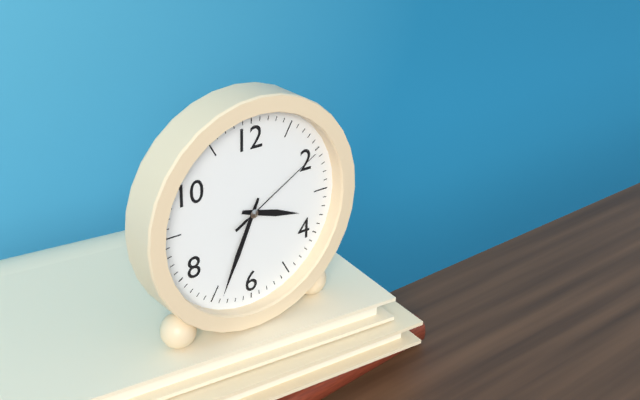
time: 3:34:10
